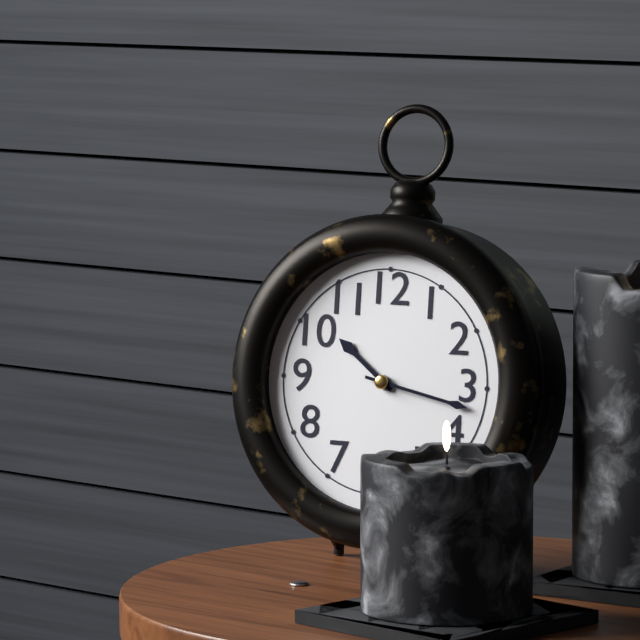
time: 10:17
